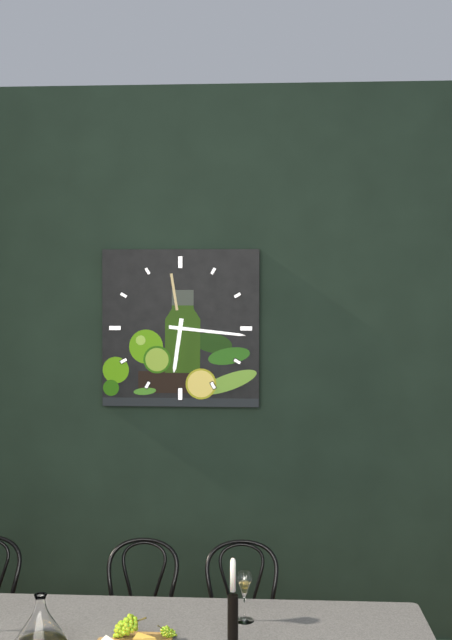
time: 6:16
